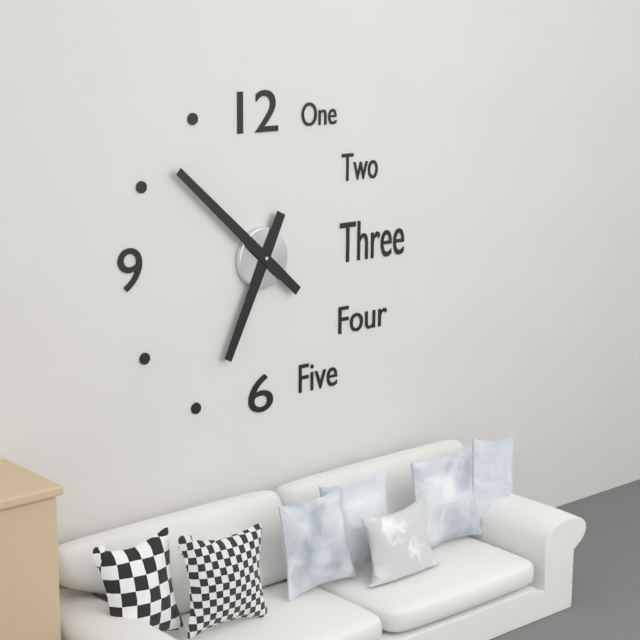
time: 6:52
